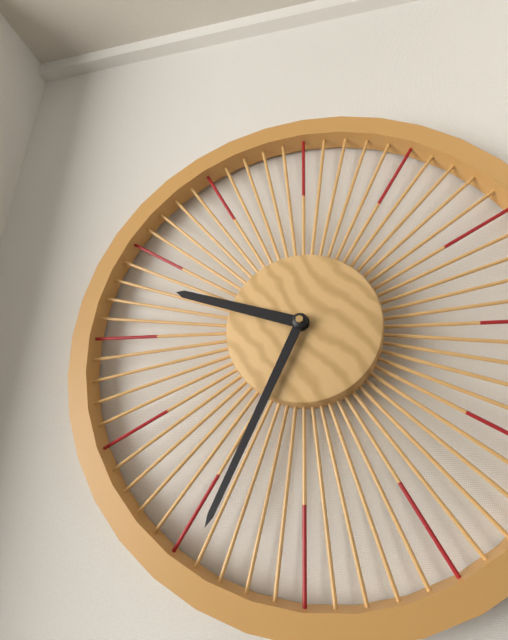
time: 9:34
